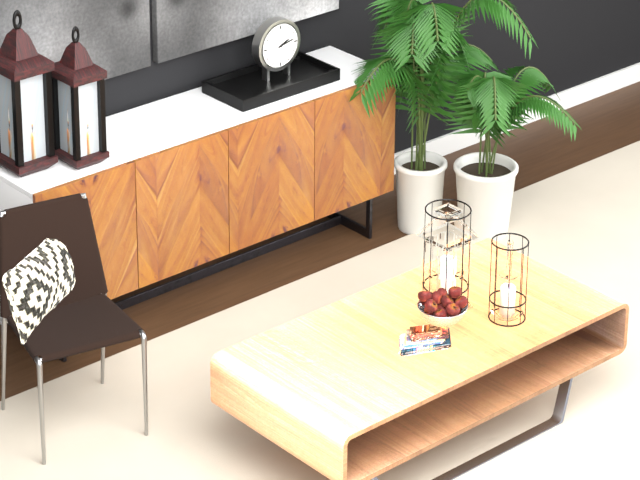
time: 2:13
